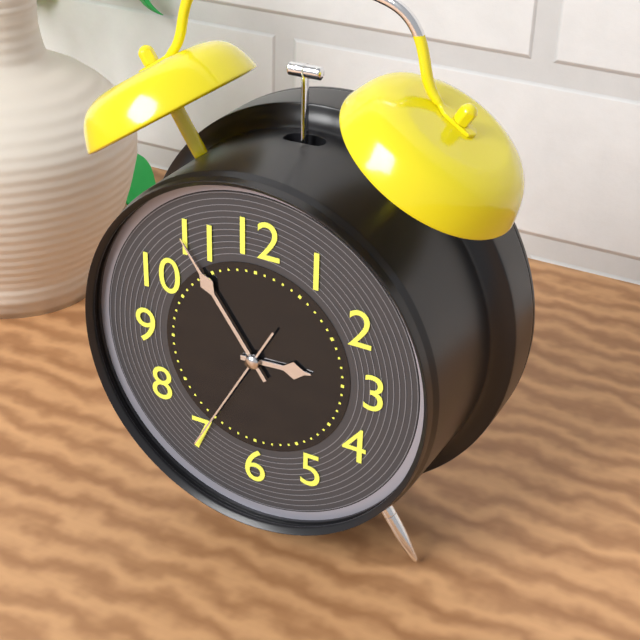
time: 2:54:35
